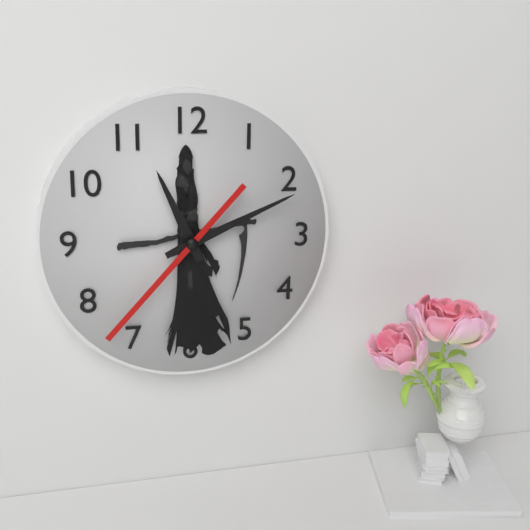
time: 11:11:37
